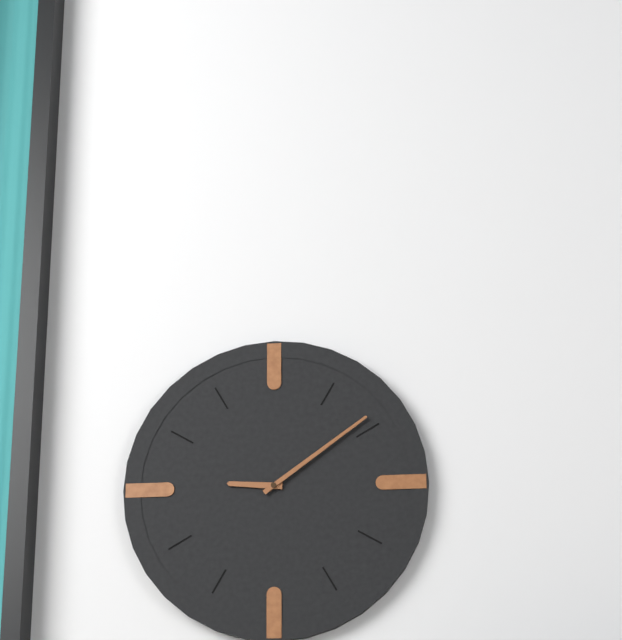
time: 9:09
